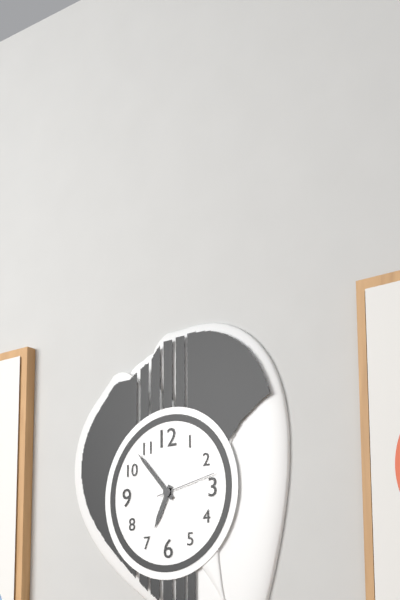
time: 6:53:13
